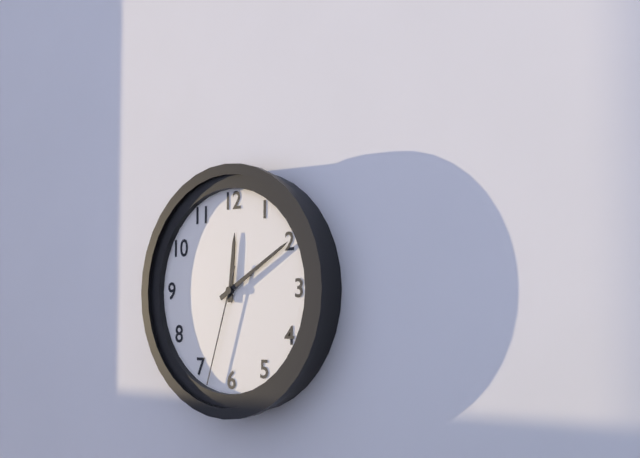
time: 12:10:33
